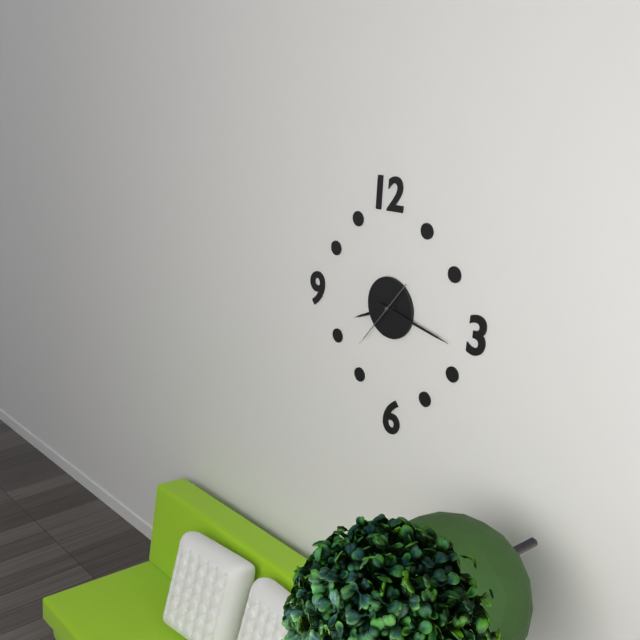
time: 8:17:37
